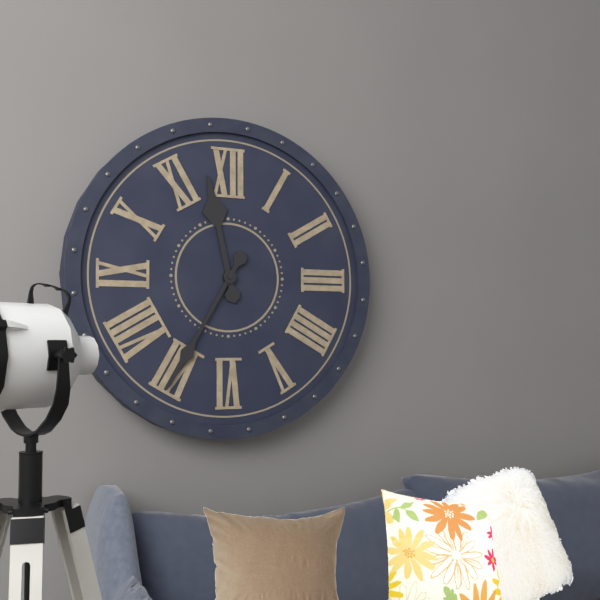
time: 11:35
